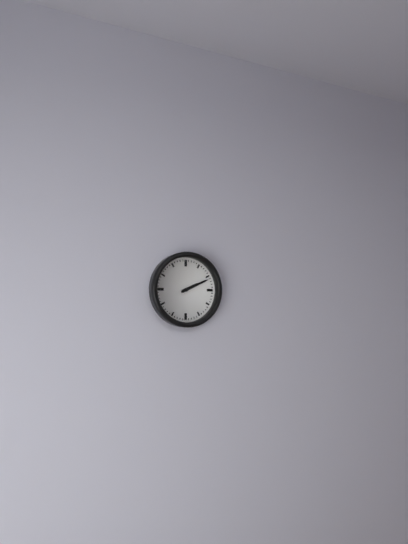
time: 2:11
